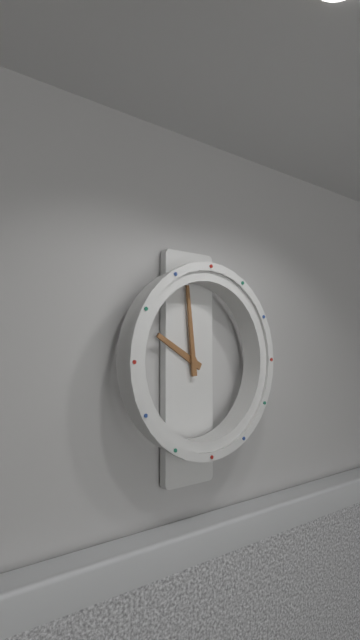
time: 9:59
